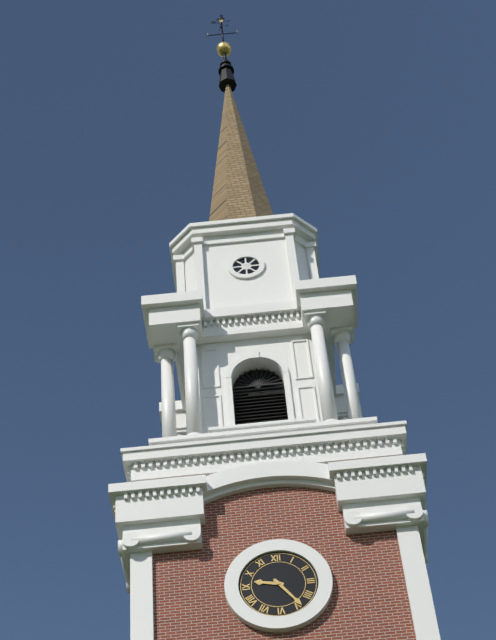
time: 9:24
